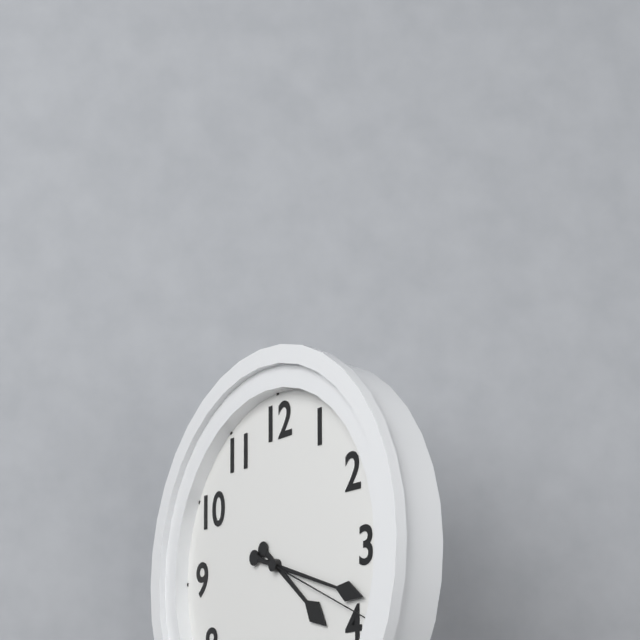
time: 4:18:19
